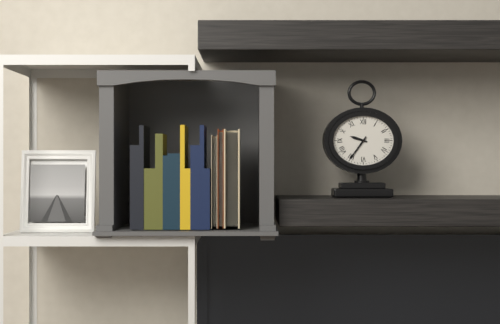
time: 9:36
